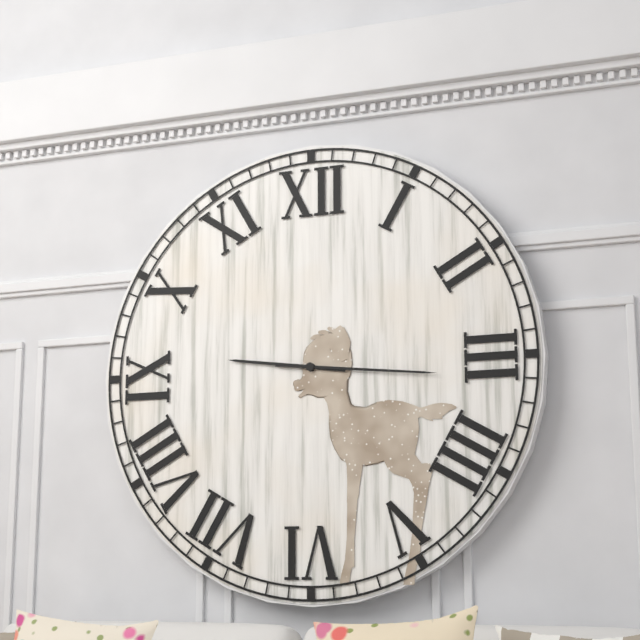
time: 9:16
